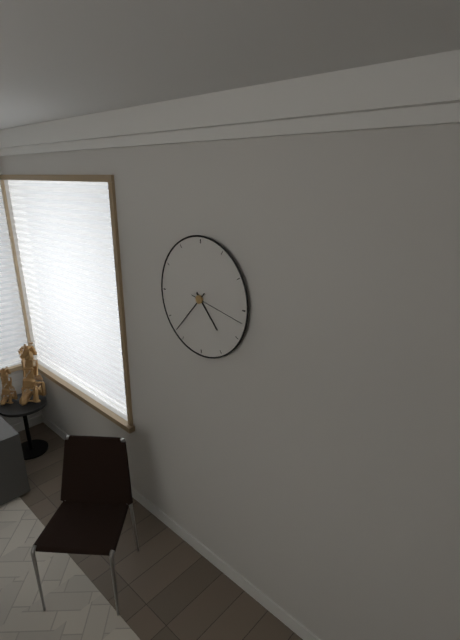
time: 4:37:17
